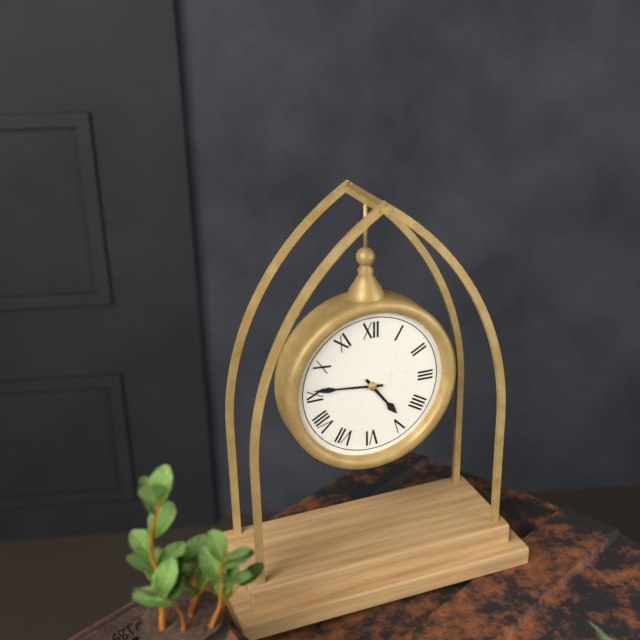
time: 4:46
